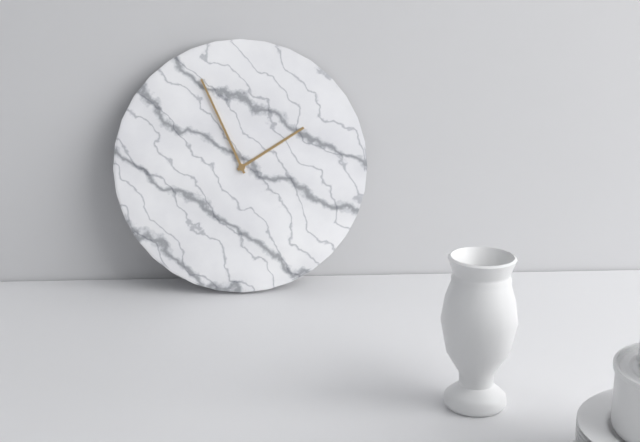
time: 1:56
